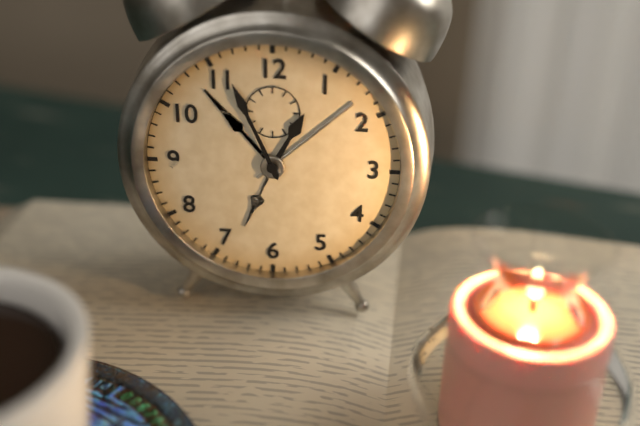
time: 12:56
